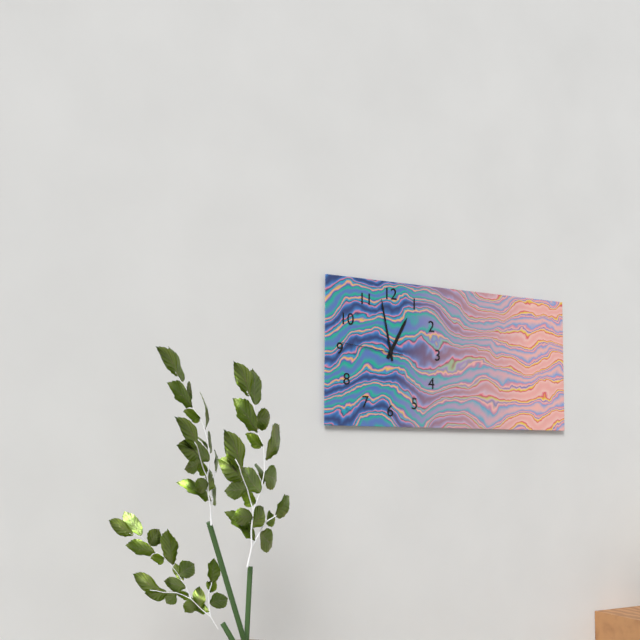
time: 12:58:46
